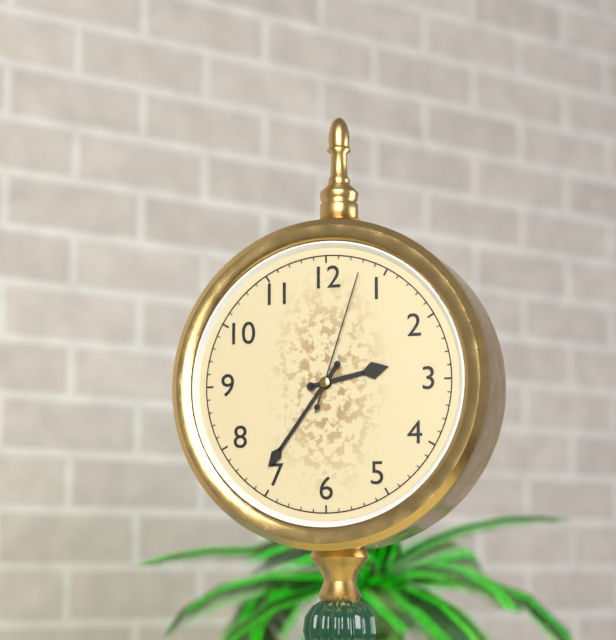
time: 2:36:03
